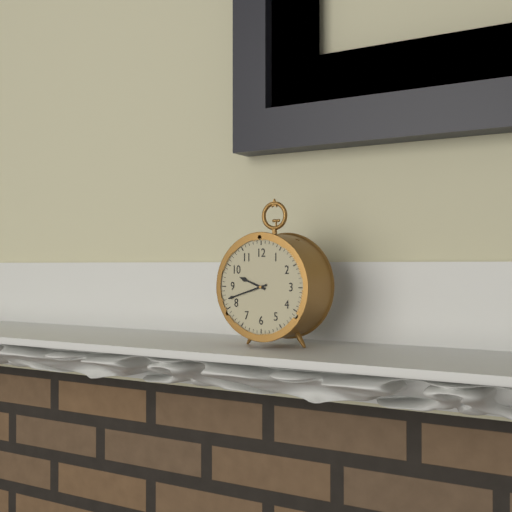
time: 9:42
